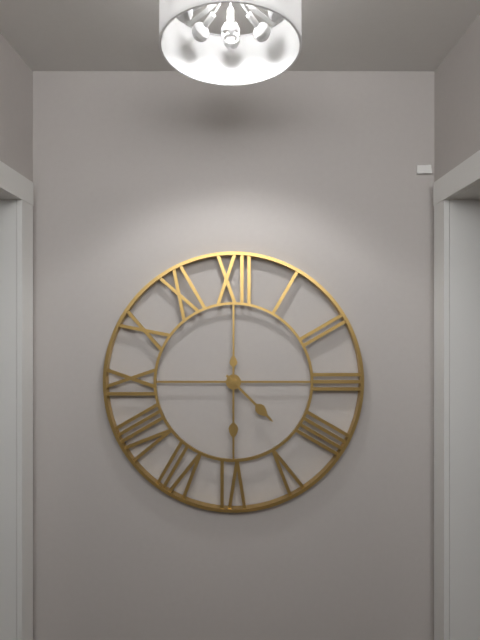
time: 4:30
